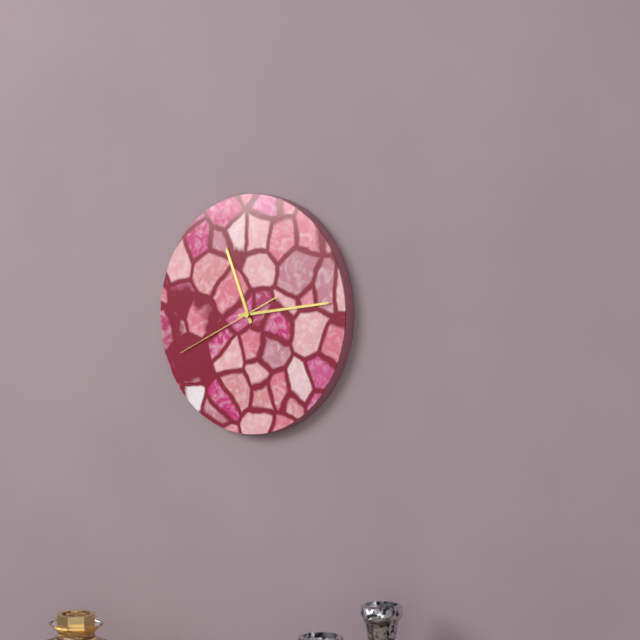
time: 11:14:41
